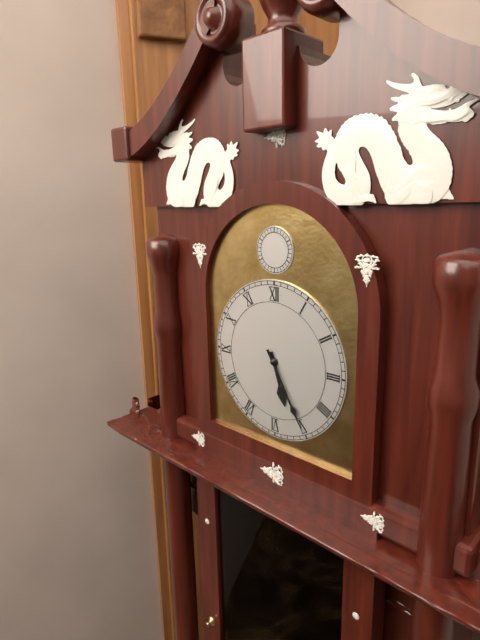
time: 5:25
